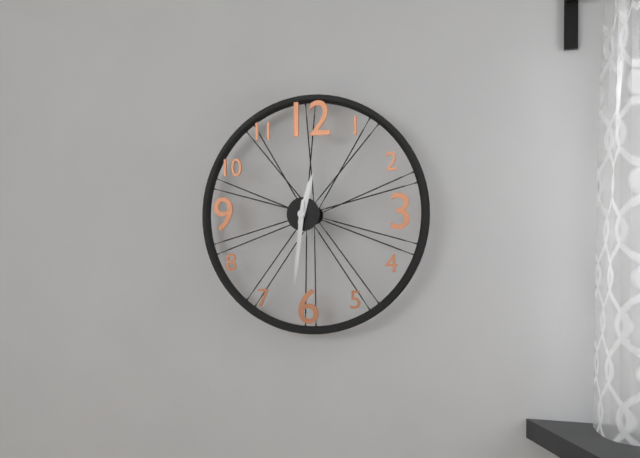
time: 12:31
